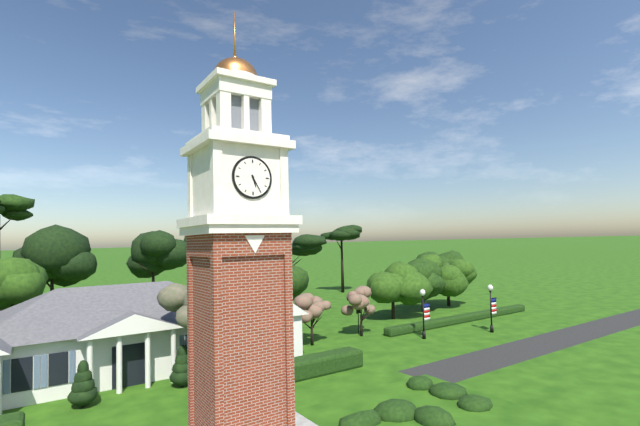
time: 5:25
